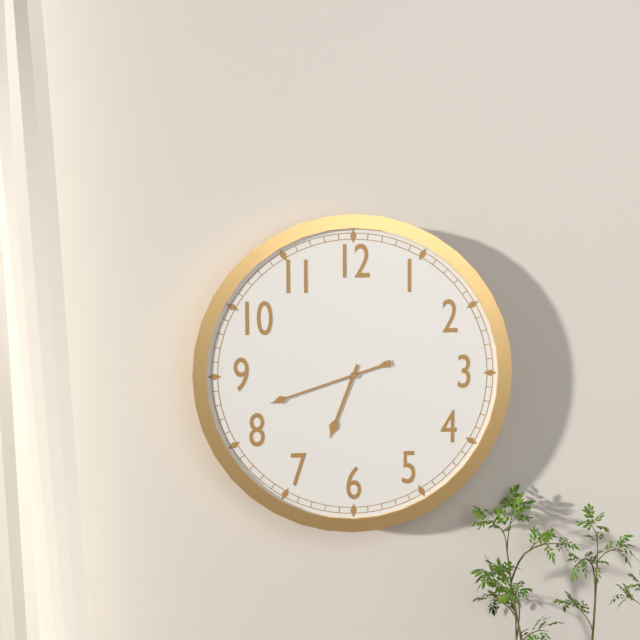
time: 6:42
